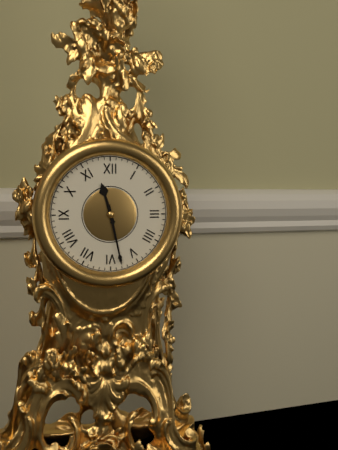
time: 11:28
